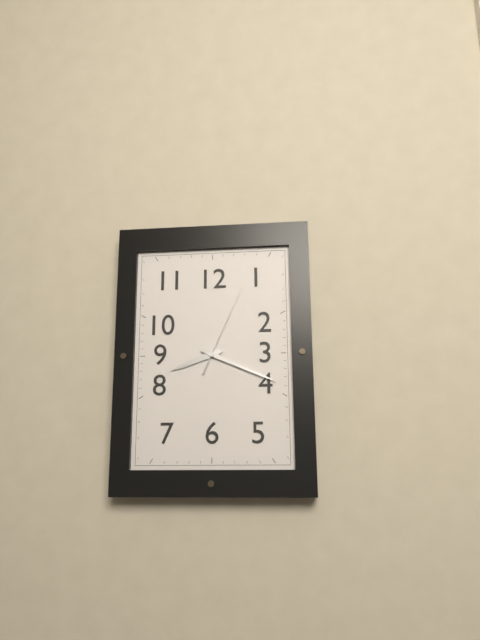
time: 8:19:04
